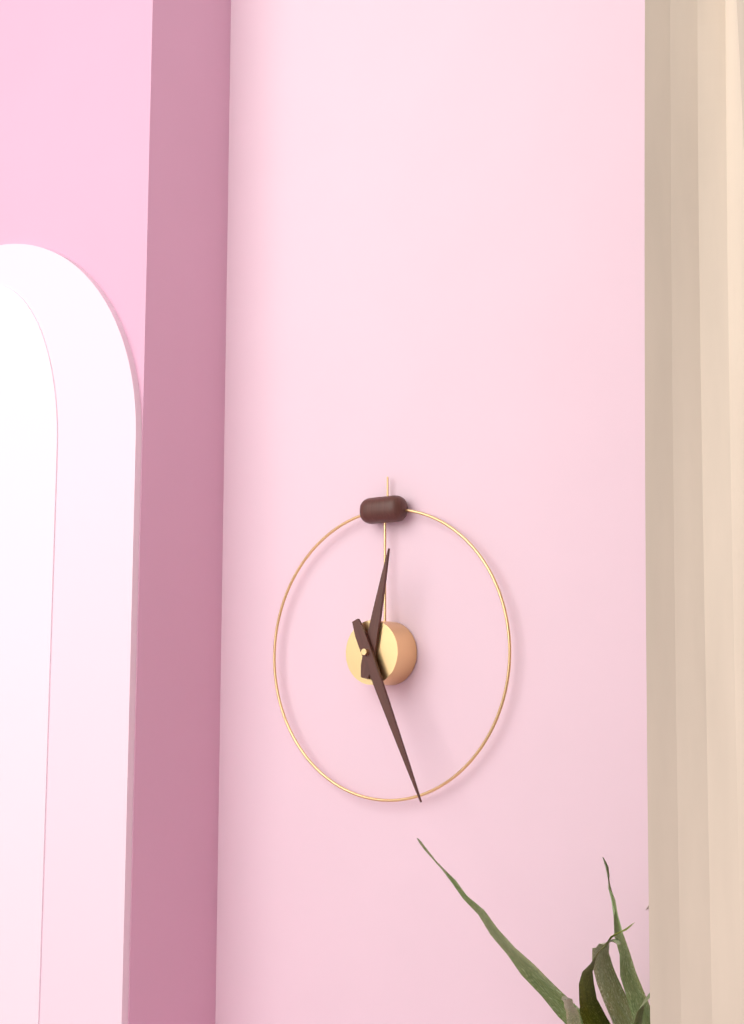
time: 12:26
